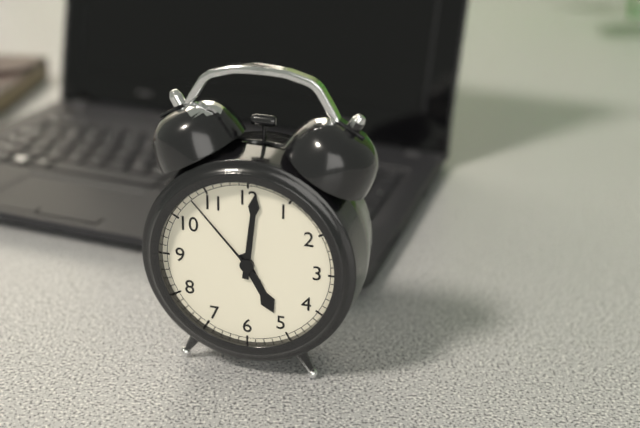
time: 5:01:53
